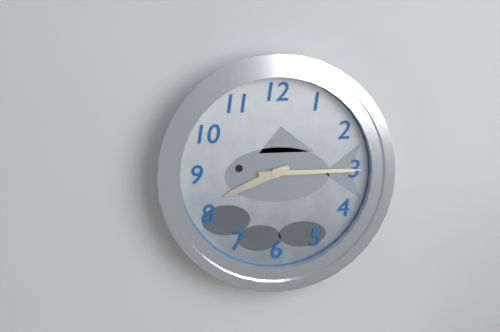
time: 8:15
